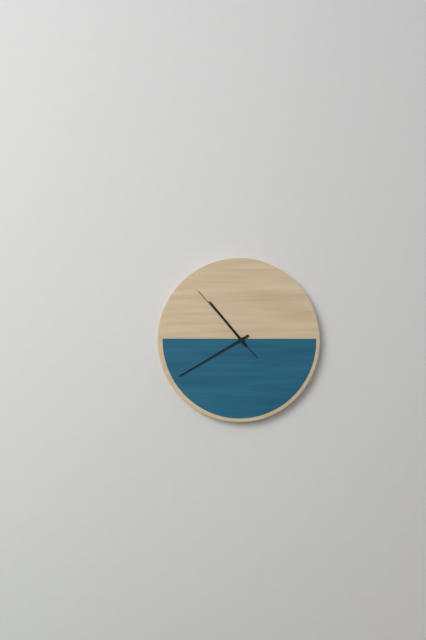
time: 10:40:53
